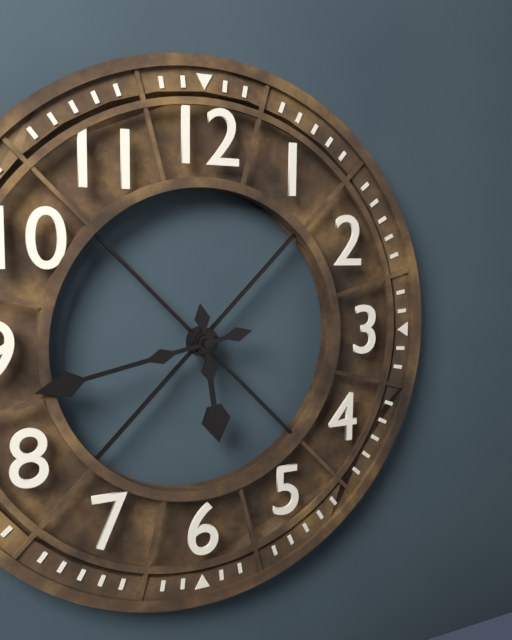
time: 5:43
